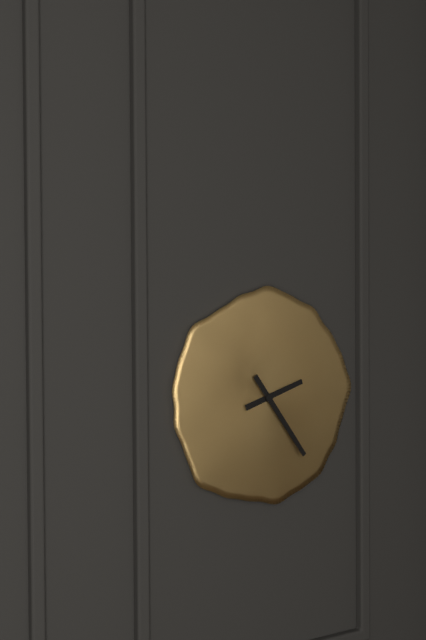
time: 2:24
